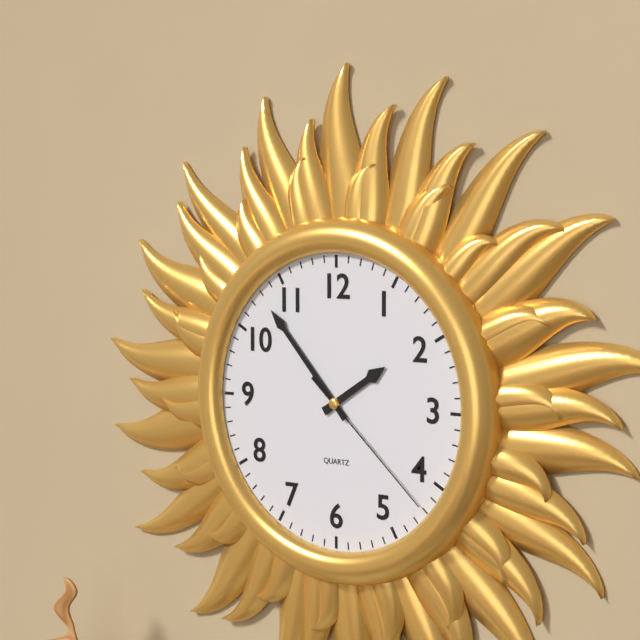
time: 1:53:22
